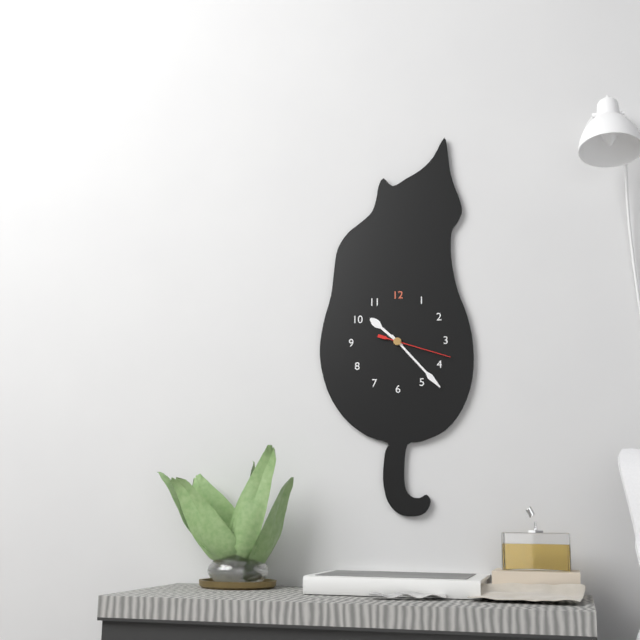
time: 10:23:18
